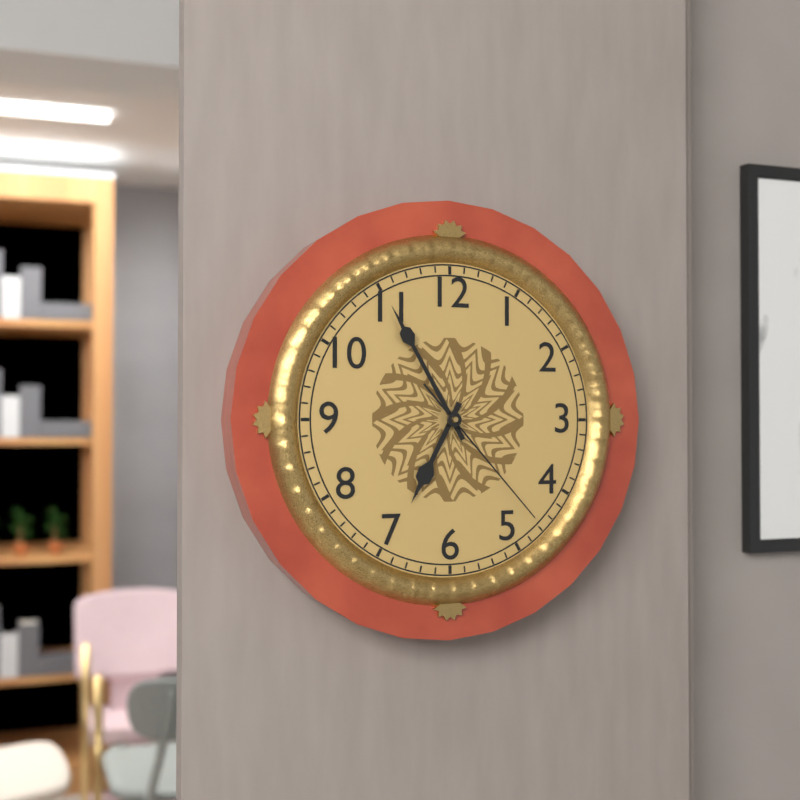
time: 6:55:23
